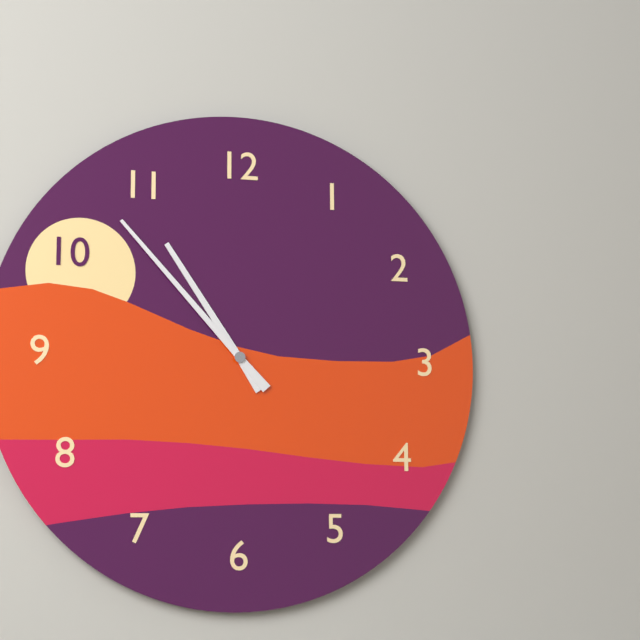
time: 10:53
